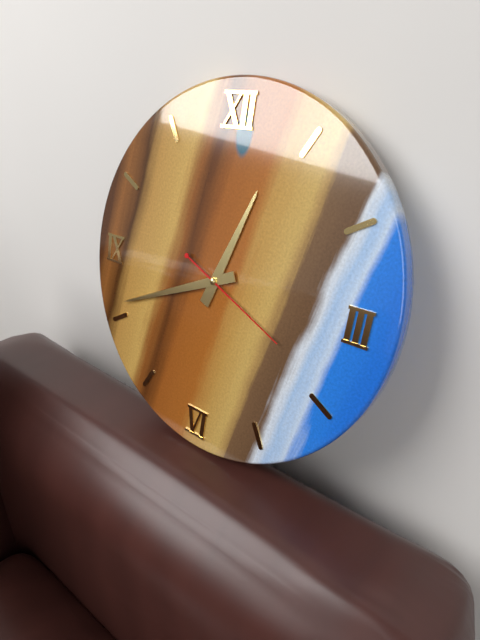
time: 12:41:19
